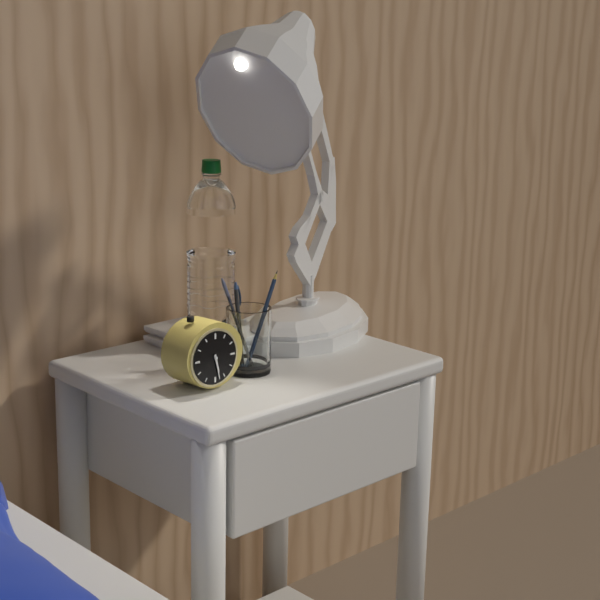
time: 5:28
